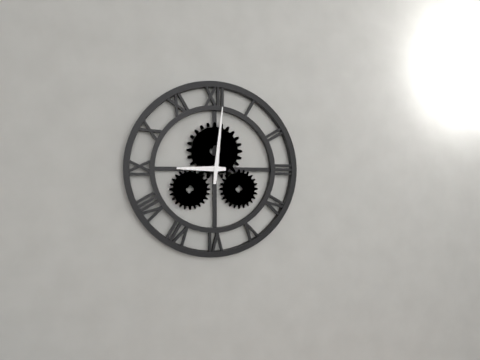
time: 9:01
